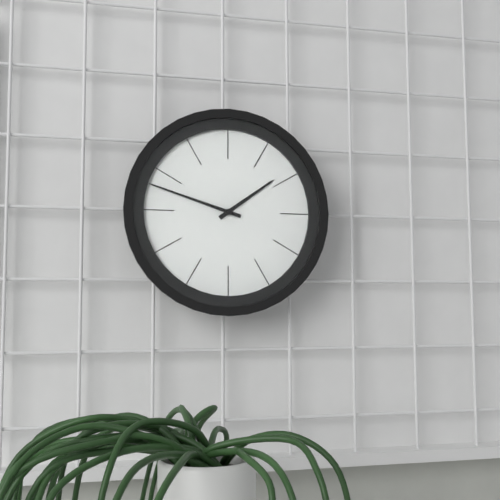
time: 1:48
